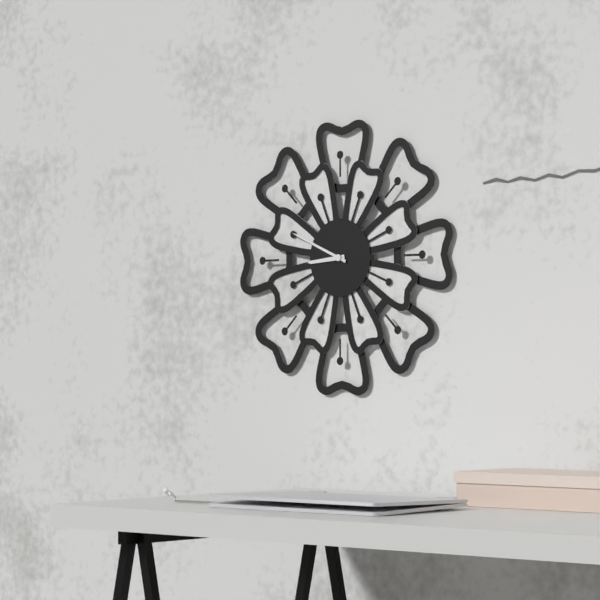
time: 8:49
